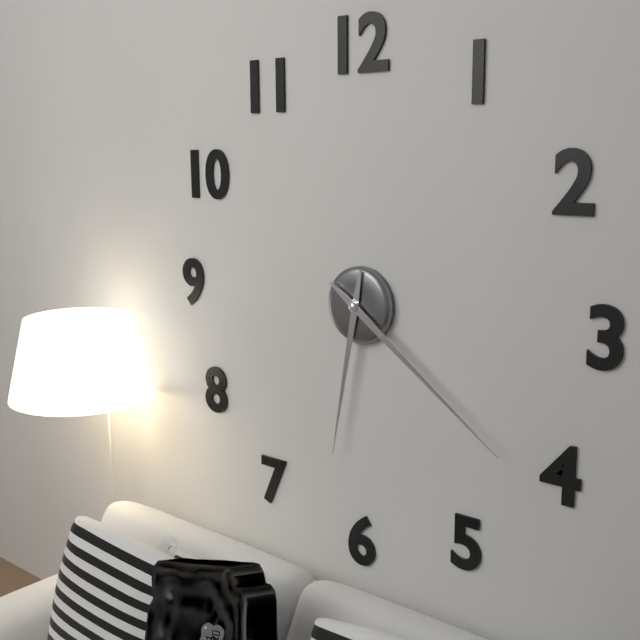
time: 6:21
